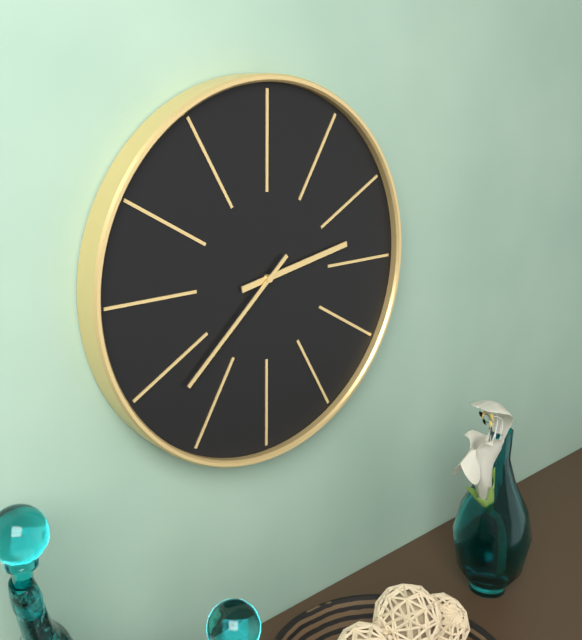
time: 2:38
